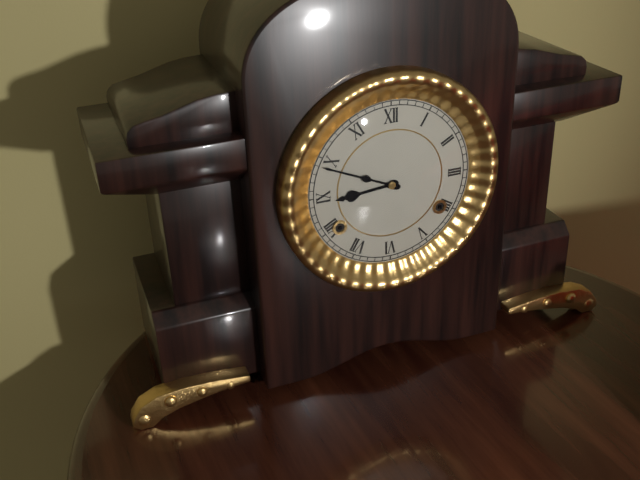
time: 8:49
